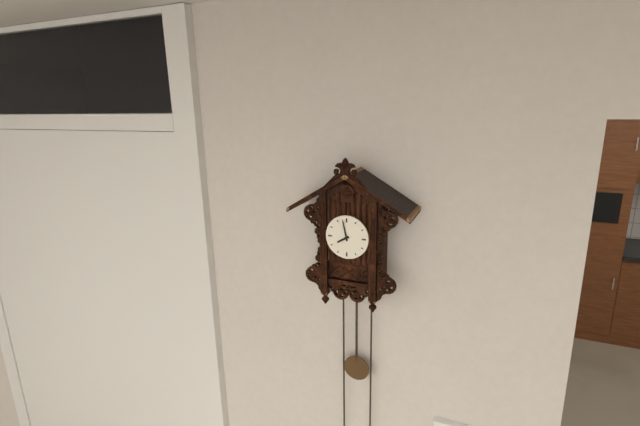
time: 7:58
